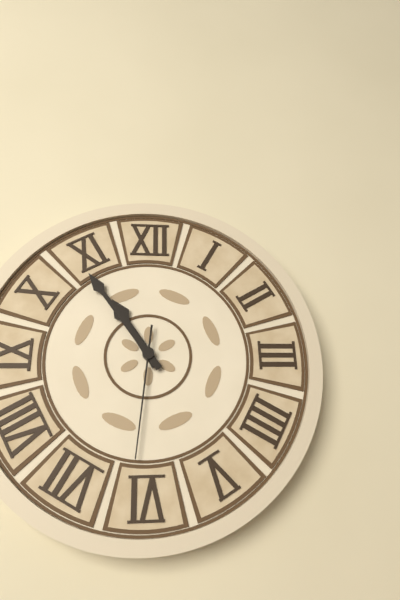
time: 10:54:31
